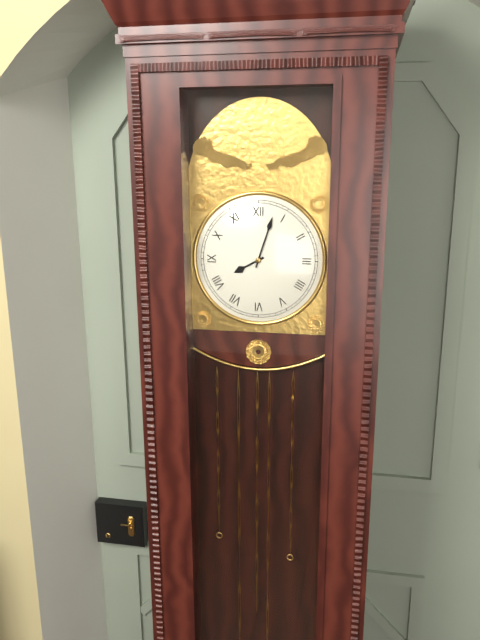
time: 8:03
